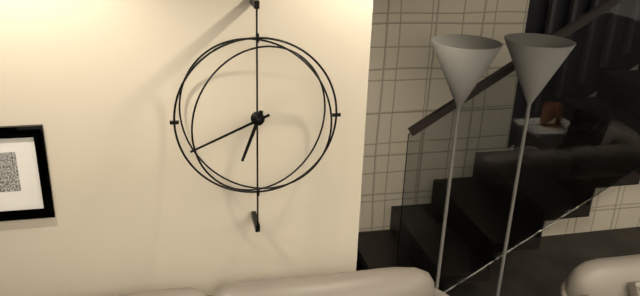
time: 6:41
